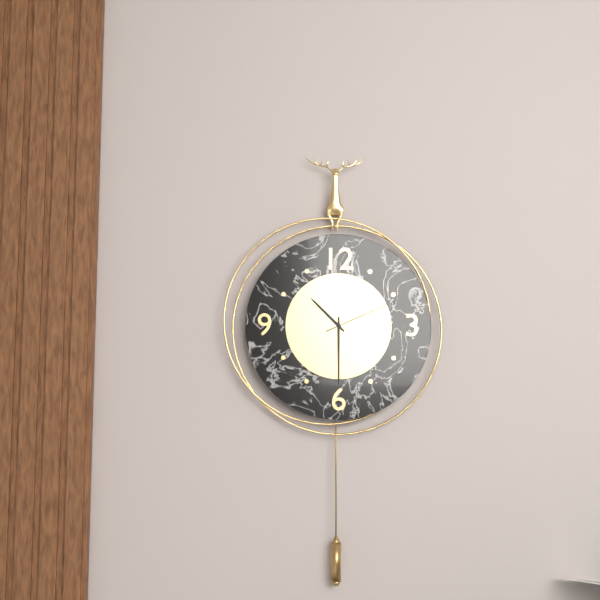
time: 10:30:11
